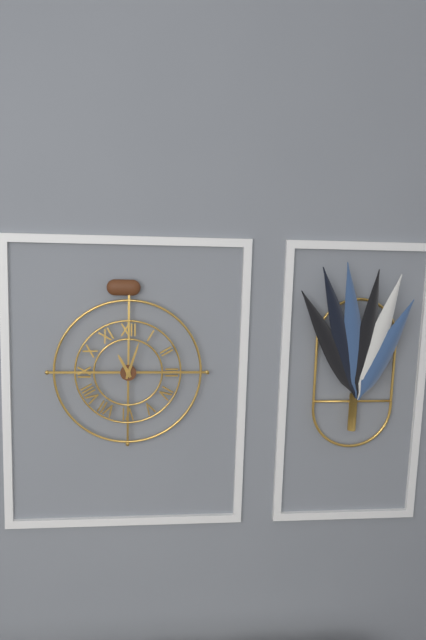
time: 11:03
